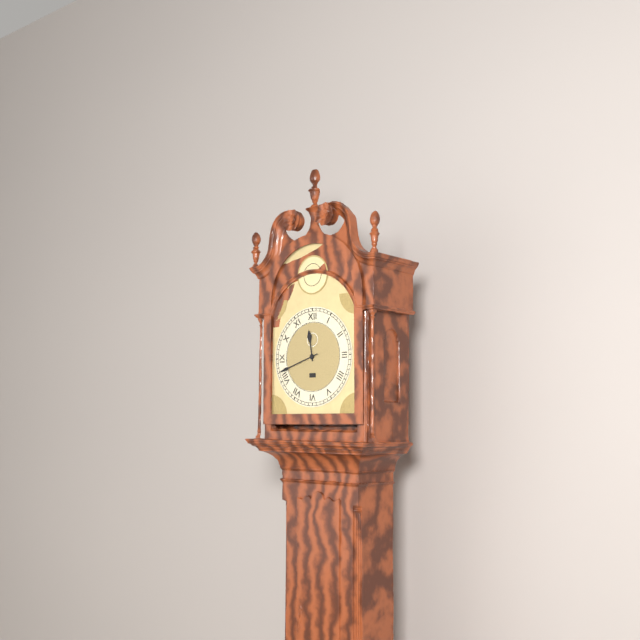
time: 11:42
